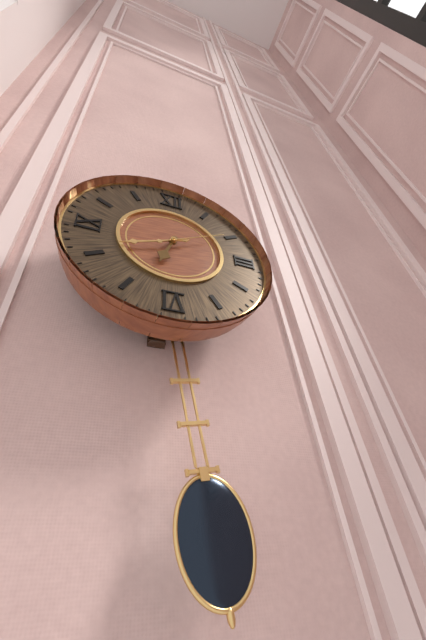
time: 6:41:10
